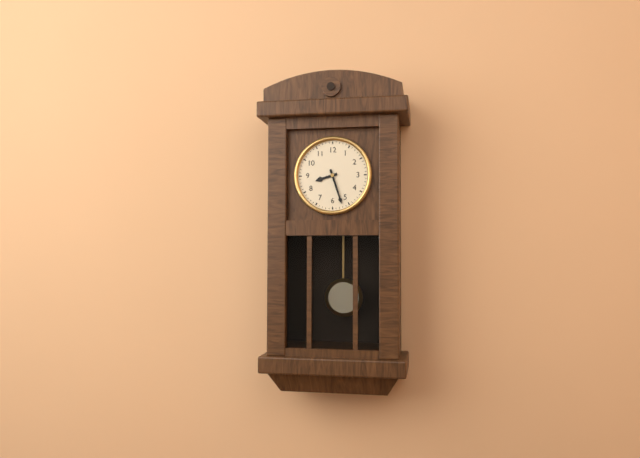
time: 8:27
